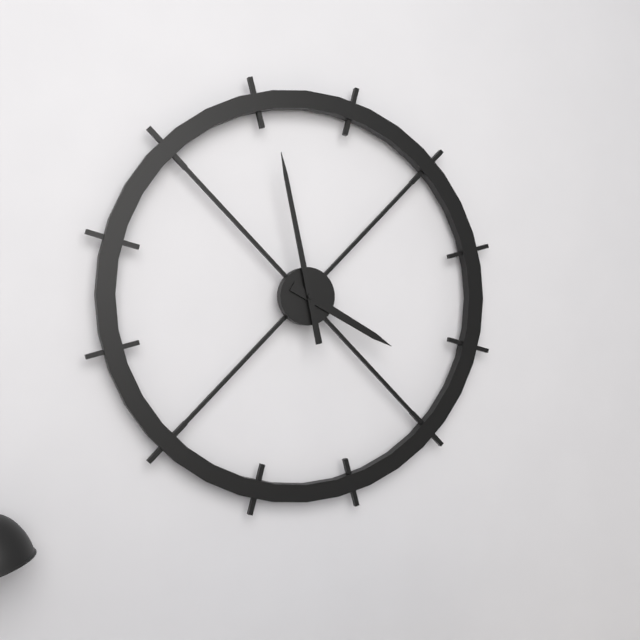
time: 3:58
